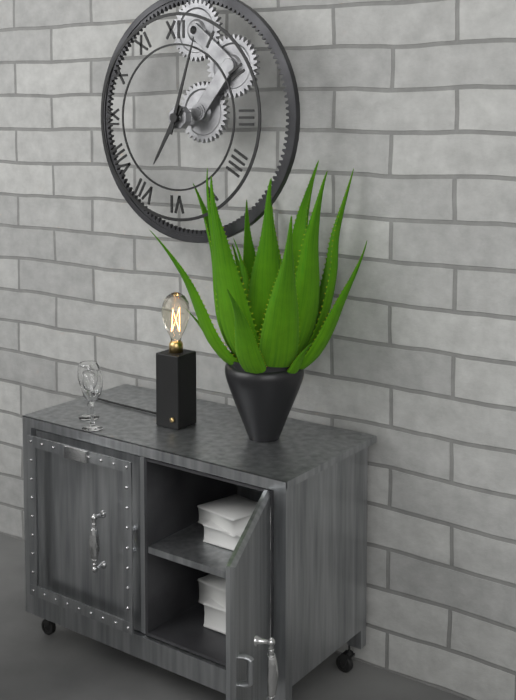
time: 7:03
